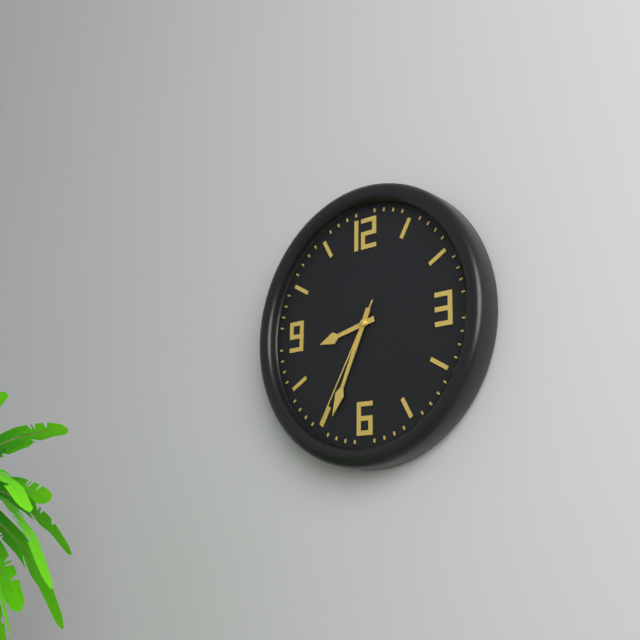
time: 8:34:35
